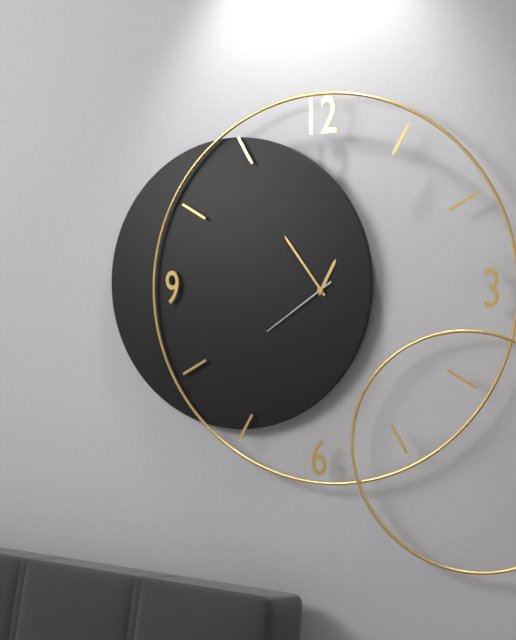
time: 12:54:39
